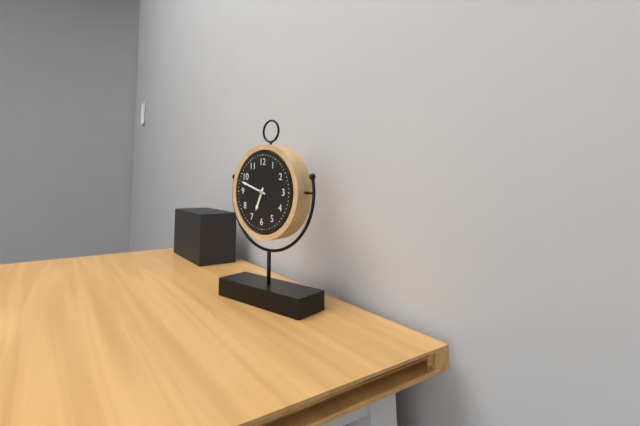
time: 6:48
